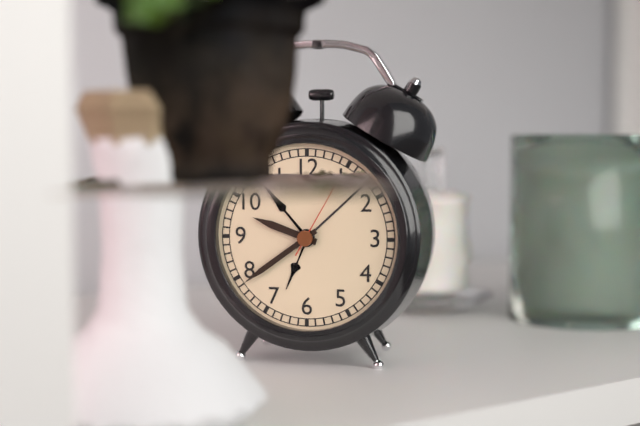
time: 9:39
